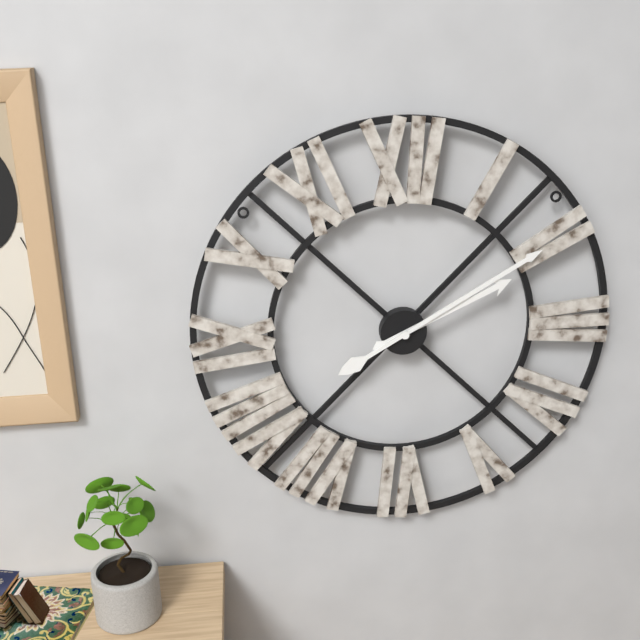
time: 2:10
